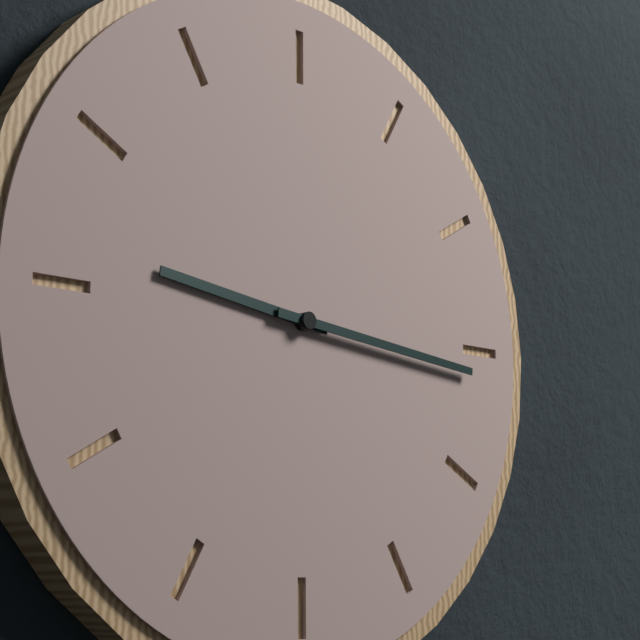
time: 9:16
